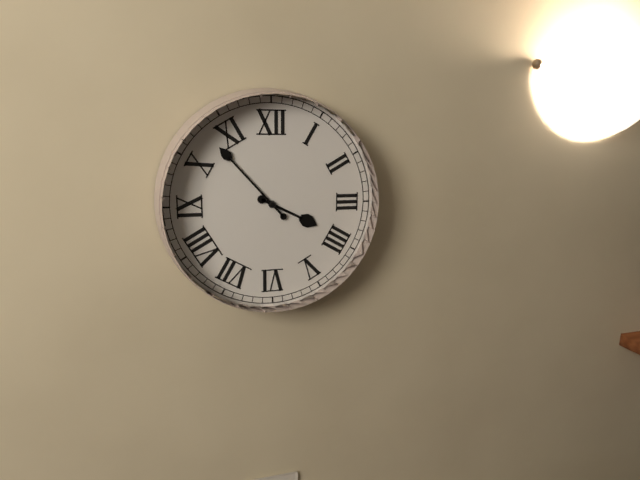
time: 3:53
